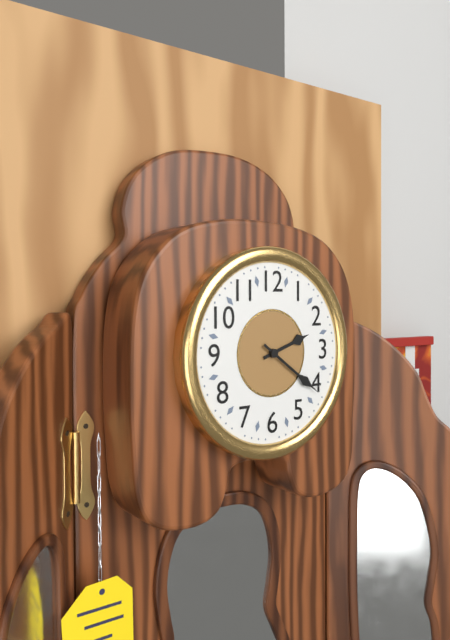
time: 2:21
